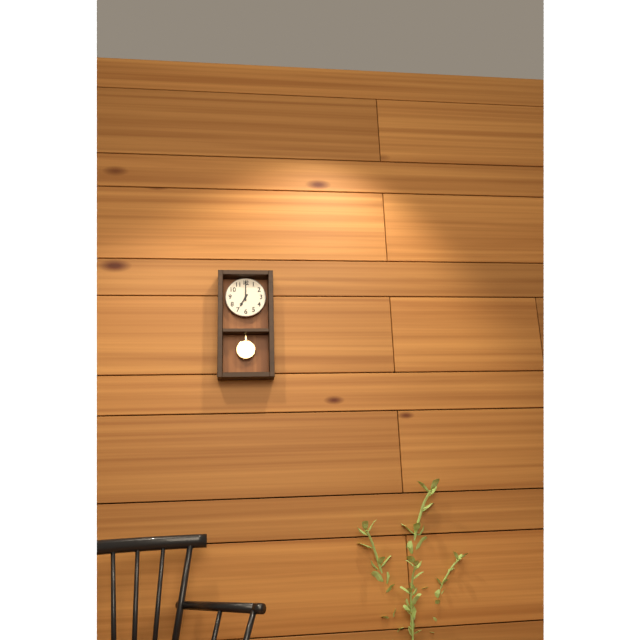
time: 7:00
